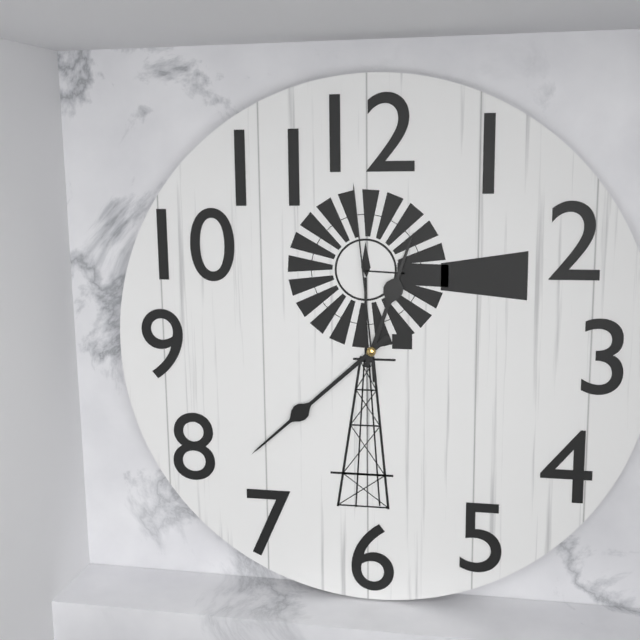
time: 12:38:59
